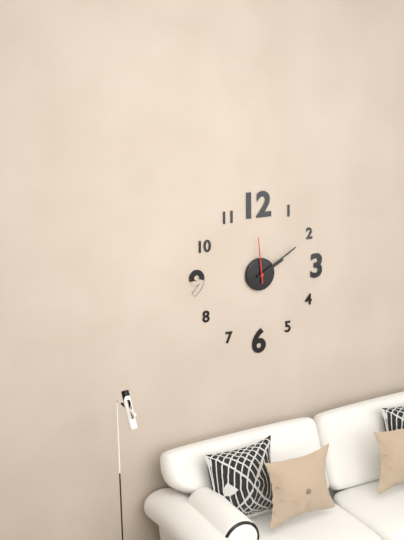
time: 2:10
